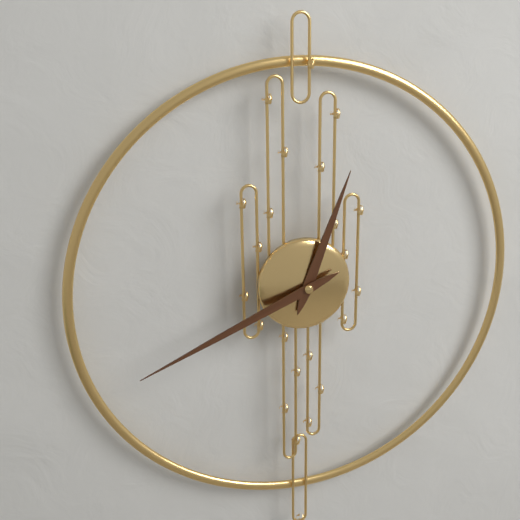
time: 12:41
